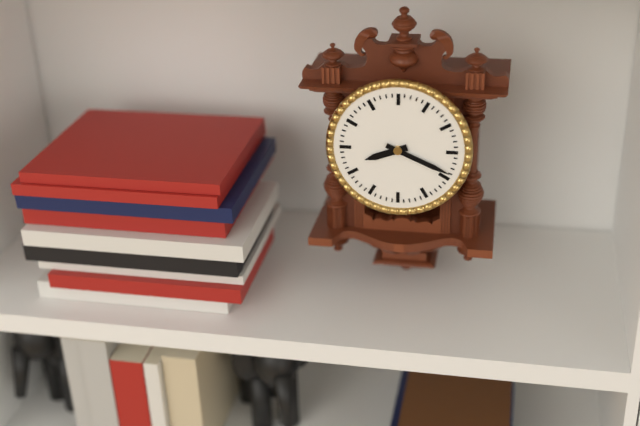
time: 8:19
